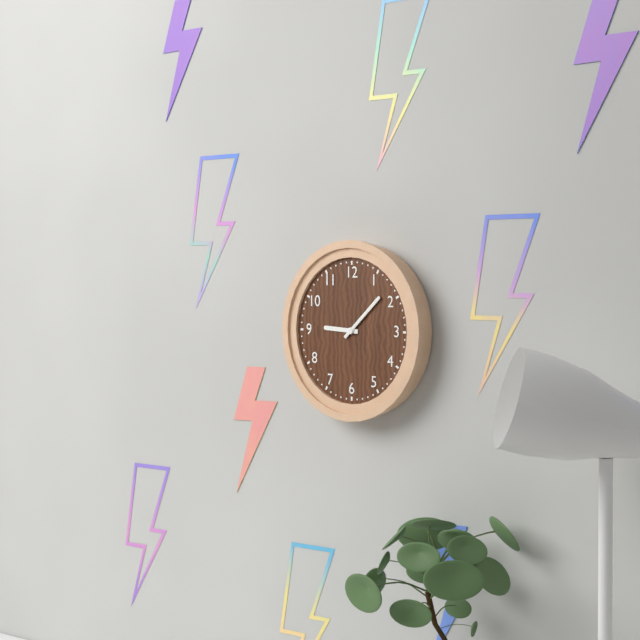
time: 9:08
